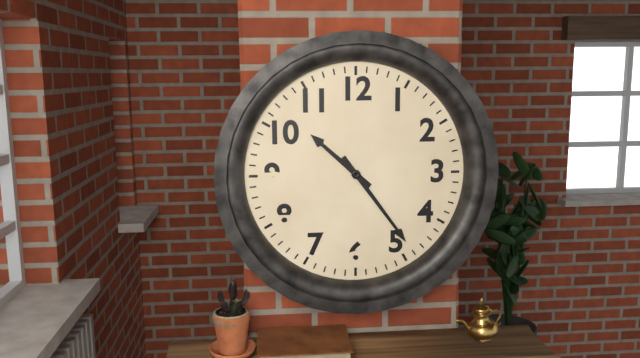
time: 10:24
